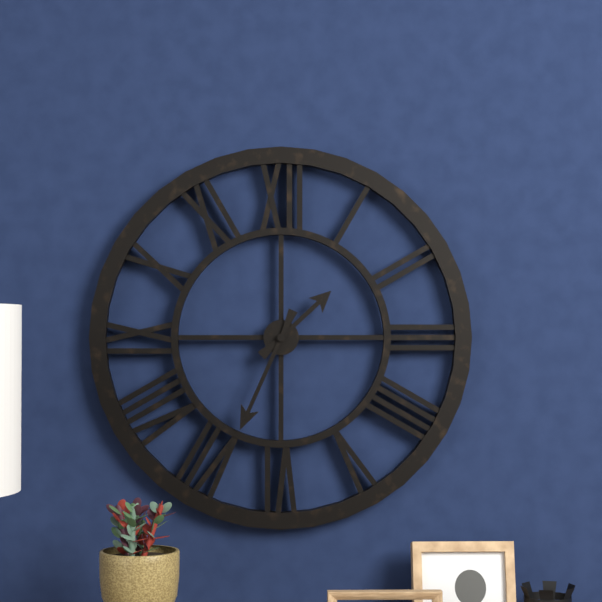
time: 1:34
